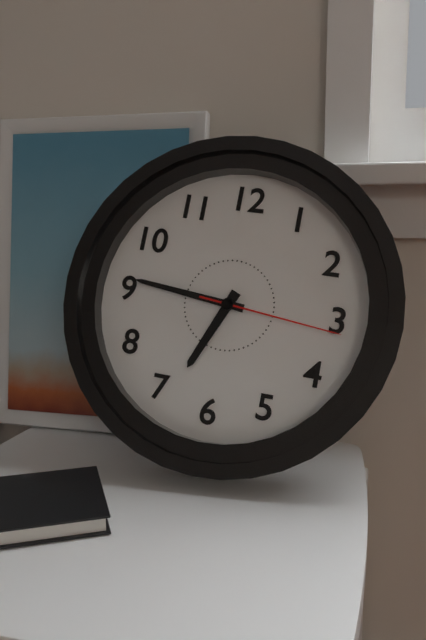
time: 6:46:16
